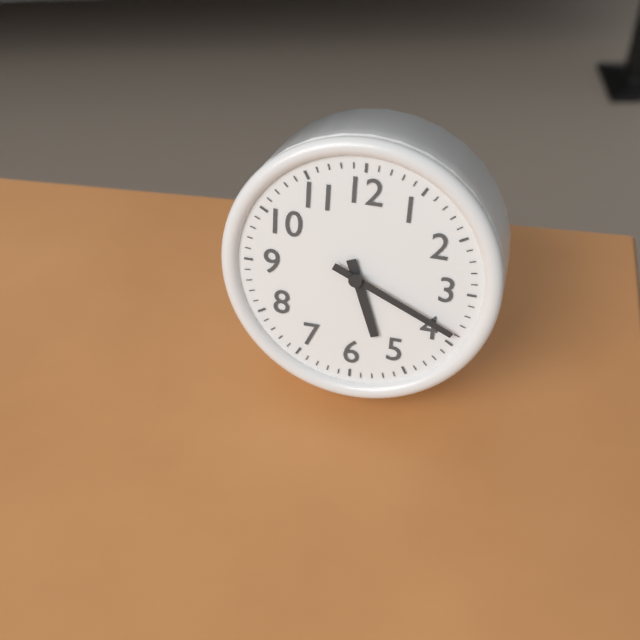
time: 5:19
